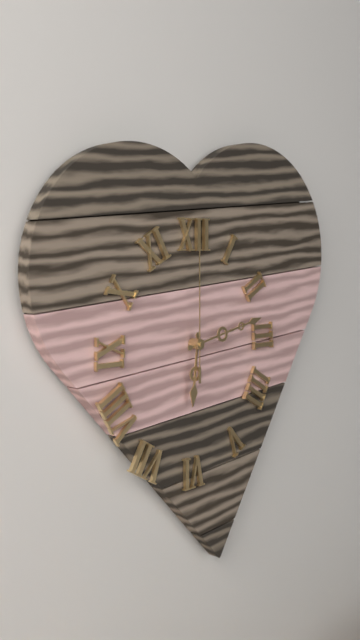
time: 6:13:00
